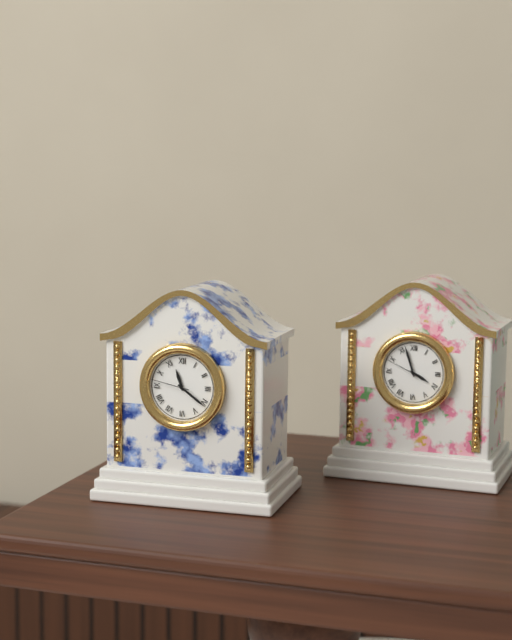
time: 11:21
